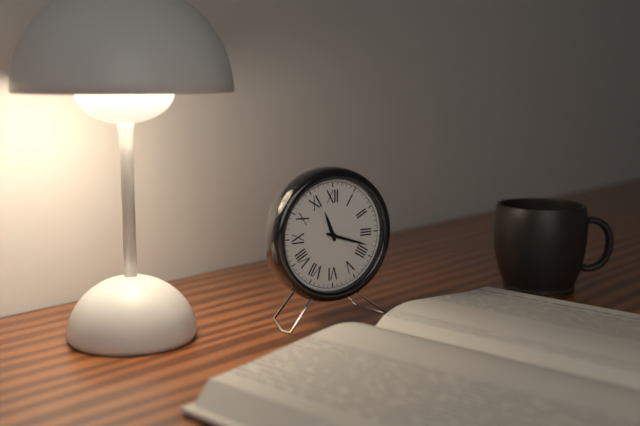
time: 11:18
